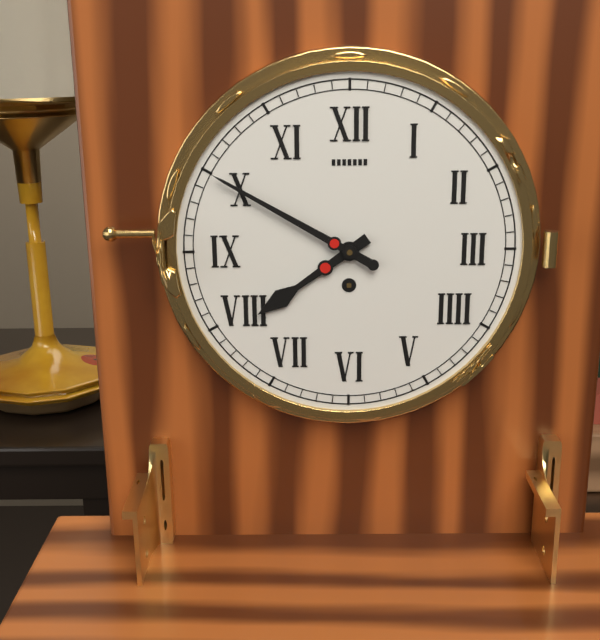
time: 7:50
